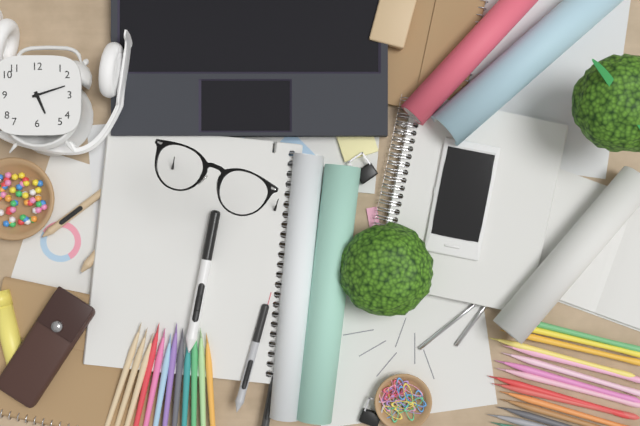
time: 5:12
